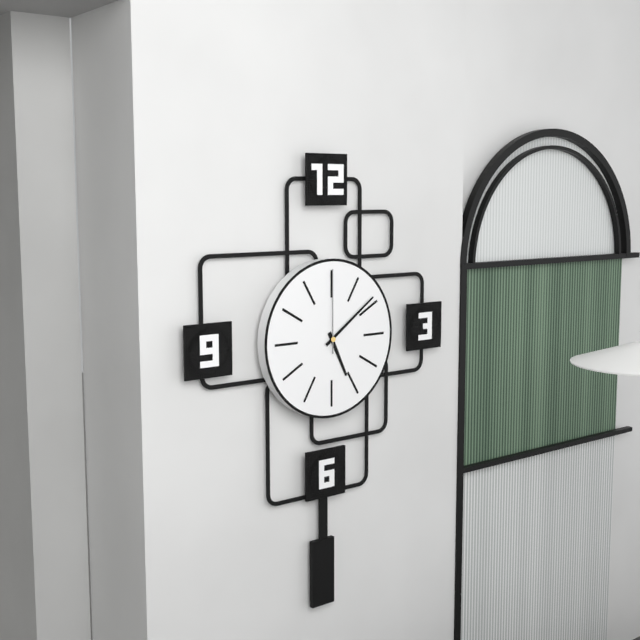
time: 5:09:00
